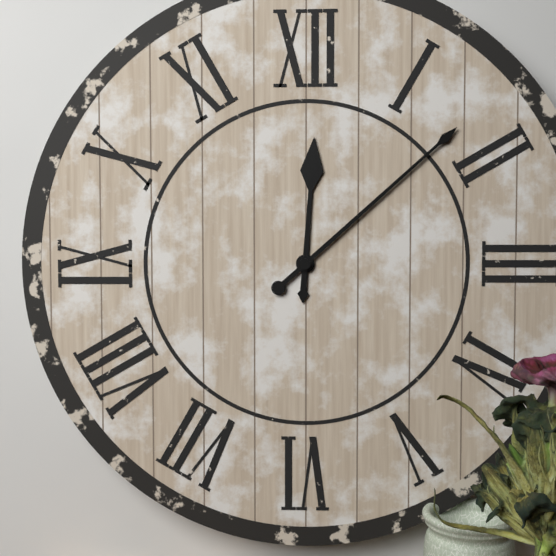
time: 12:08
